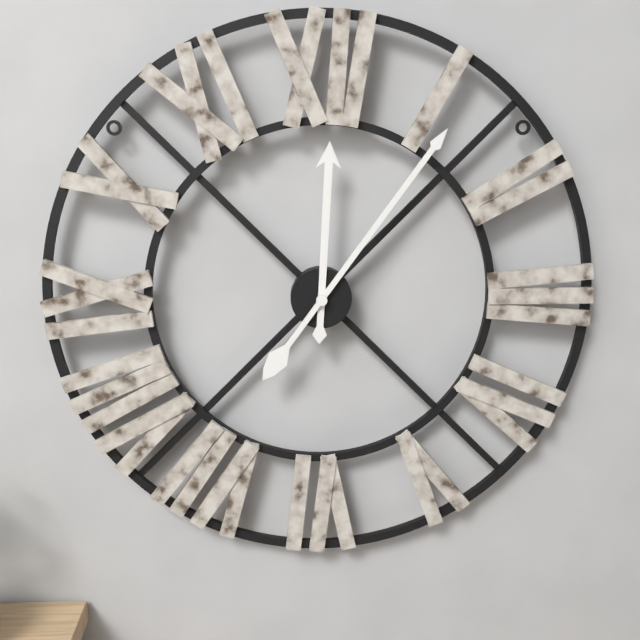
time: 12:06
